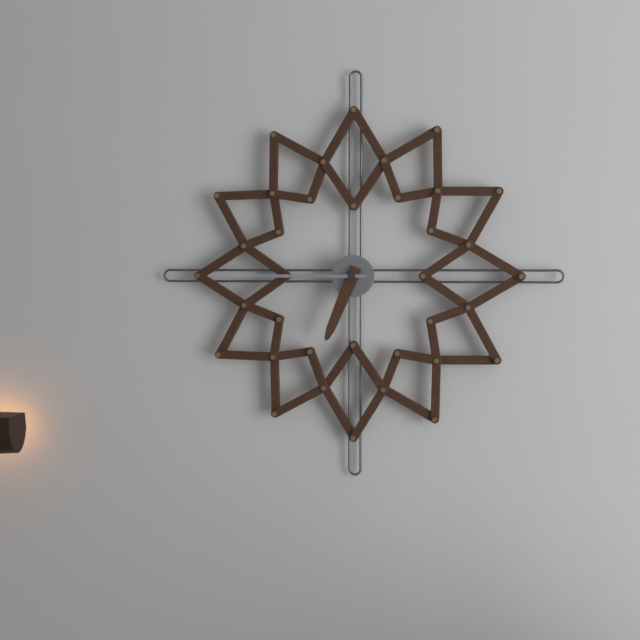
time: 6:45
